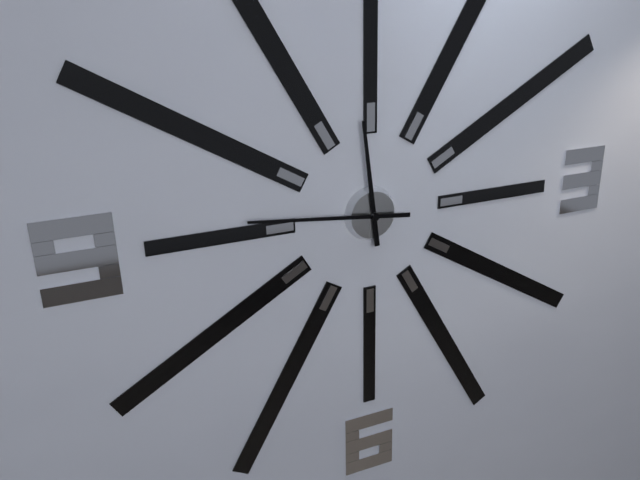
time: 11:46
